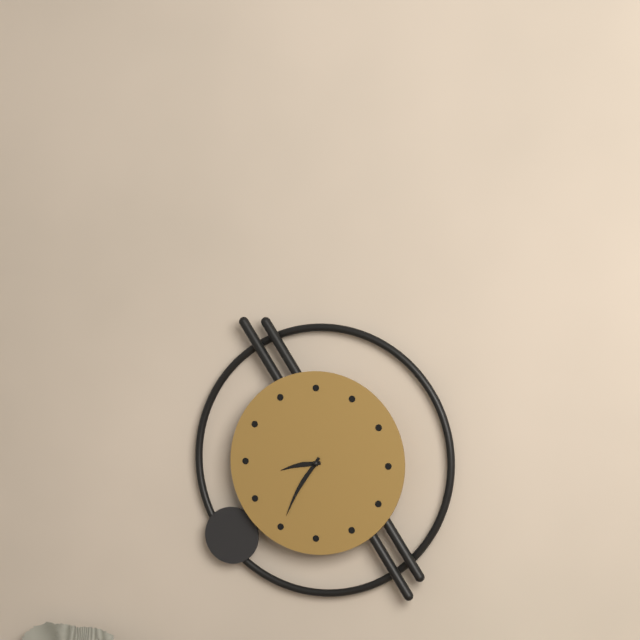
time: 8:35
